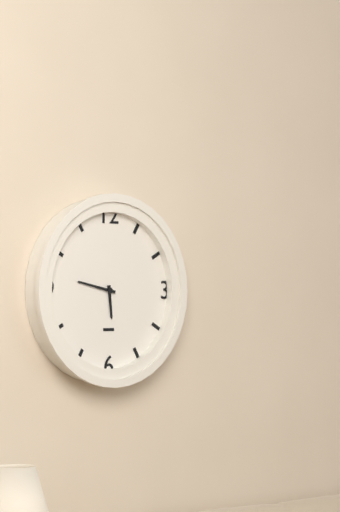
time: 5:47
